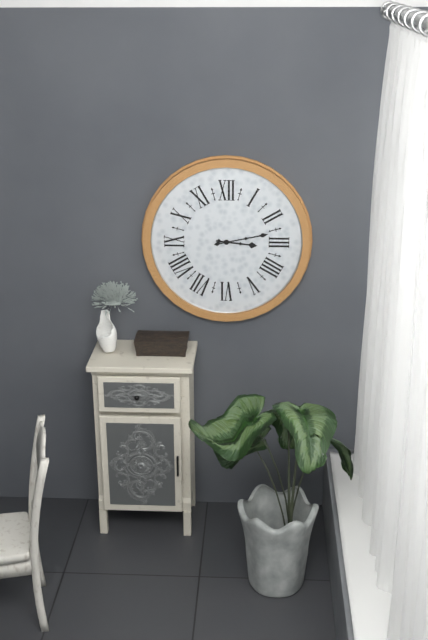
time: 3:13
